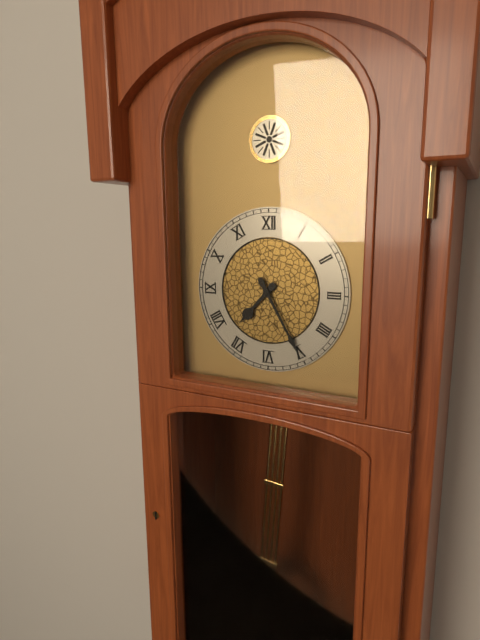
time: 7:25
